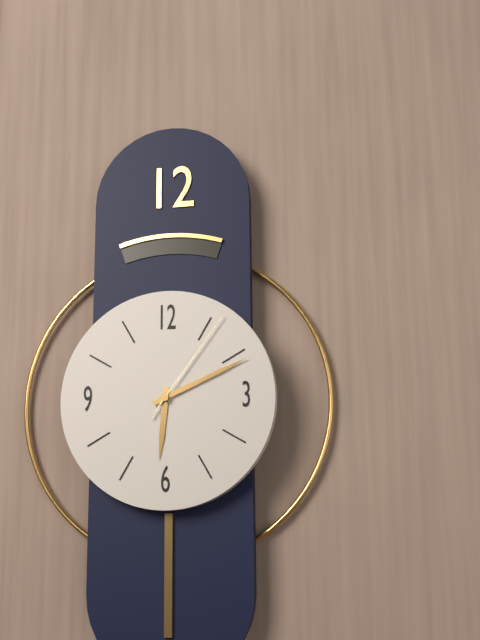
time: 6:11:06
